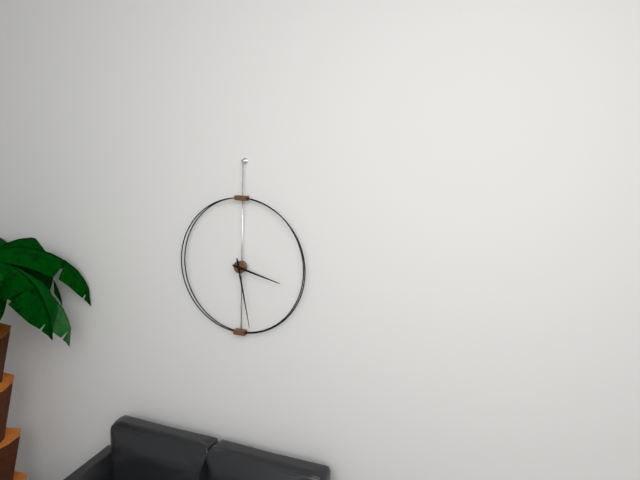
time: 3:28
